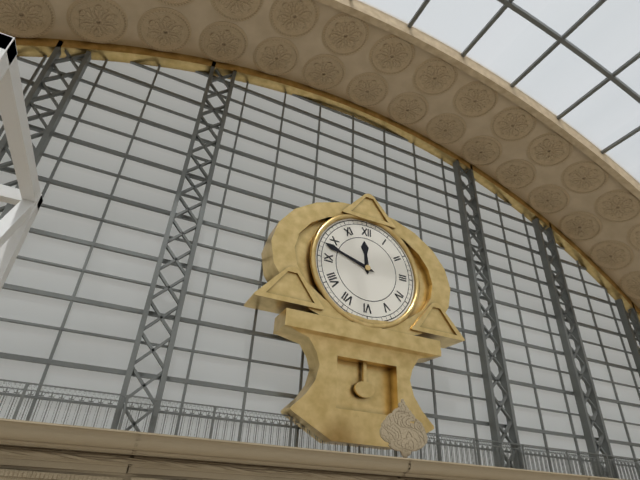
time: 11:48
